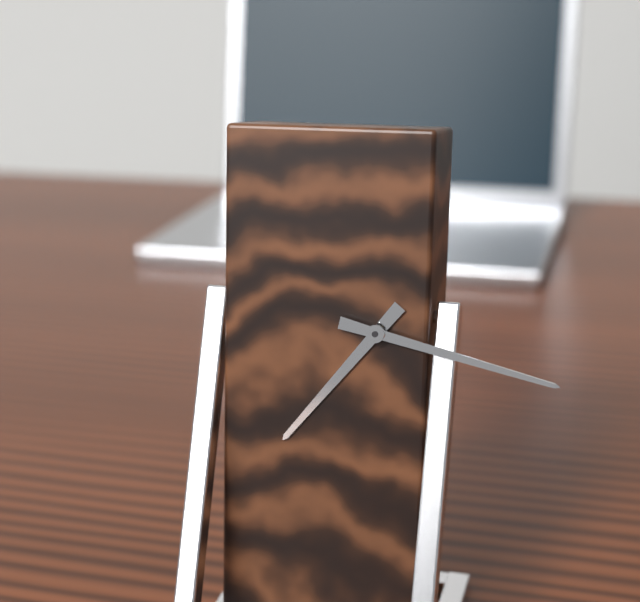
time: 7:17
